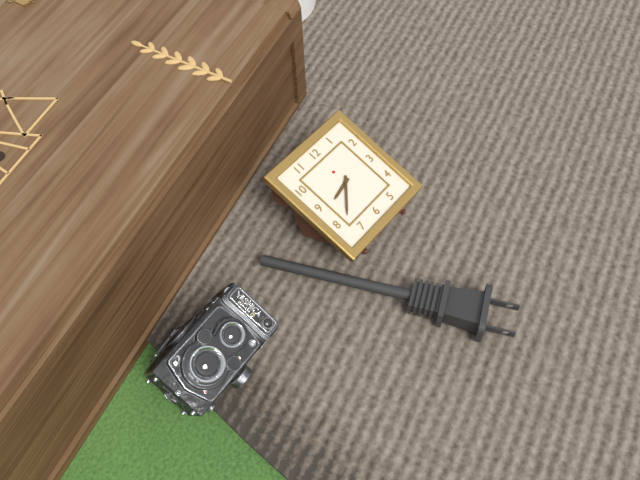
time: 8:38
